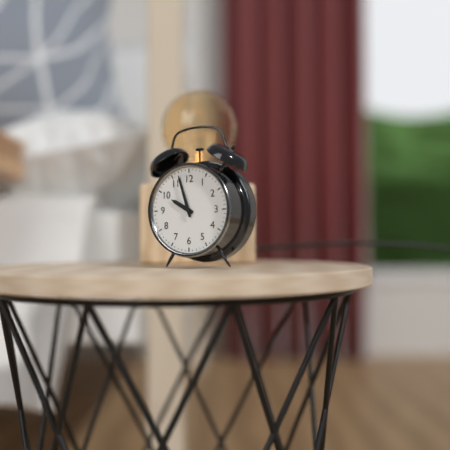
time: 9:57
